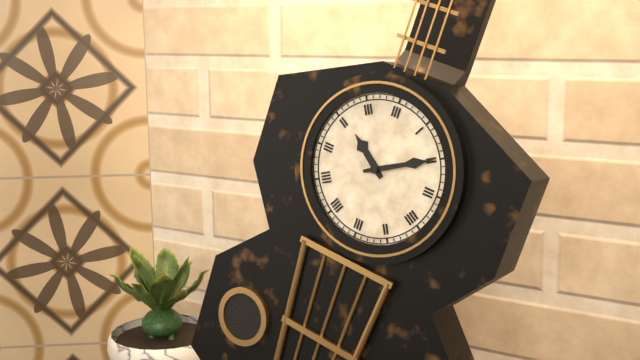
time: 10:10
